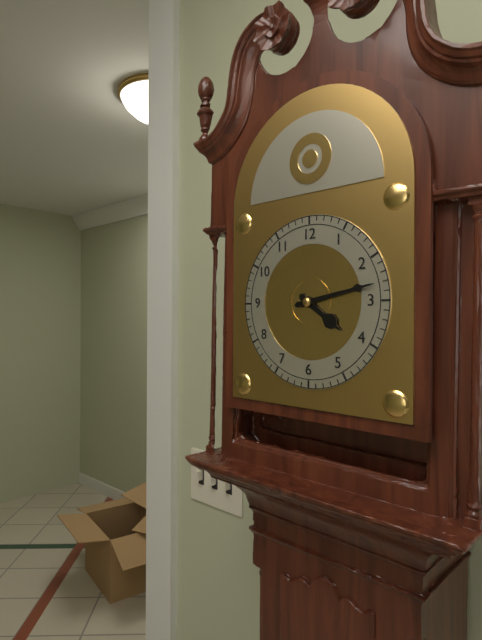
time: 4:13
